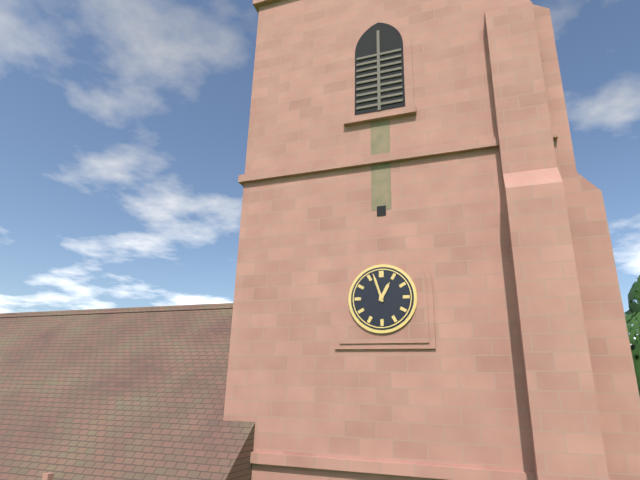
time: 12:57
